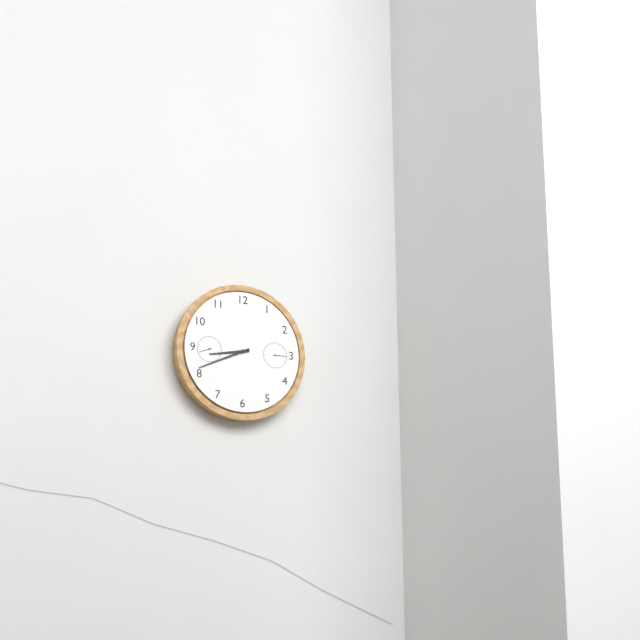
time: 8:41
